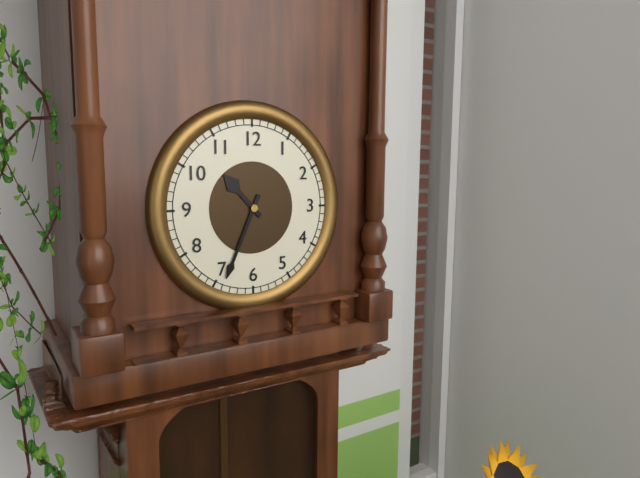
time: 10:34
